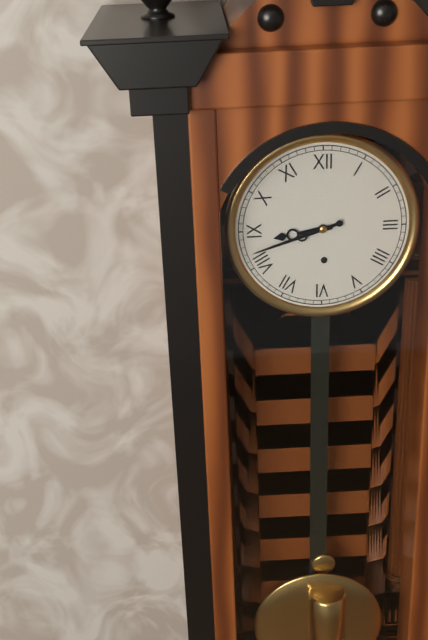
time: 8:42
